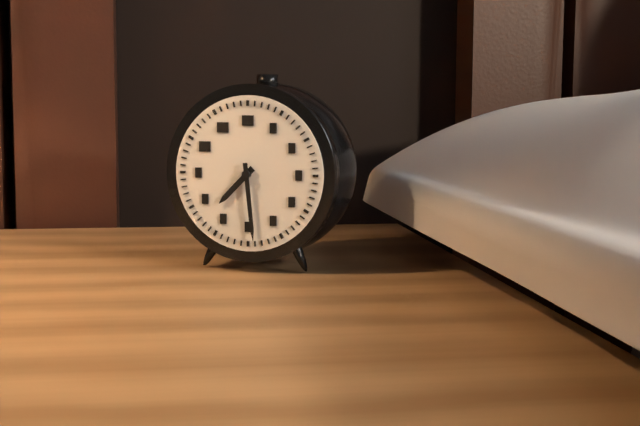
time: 7:29
